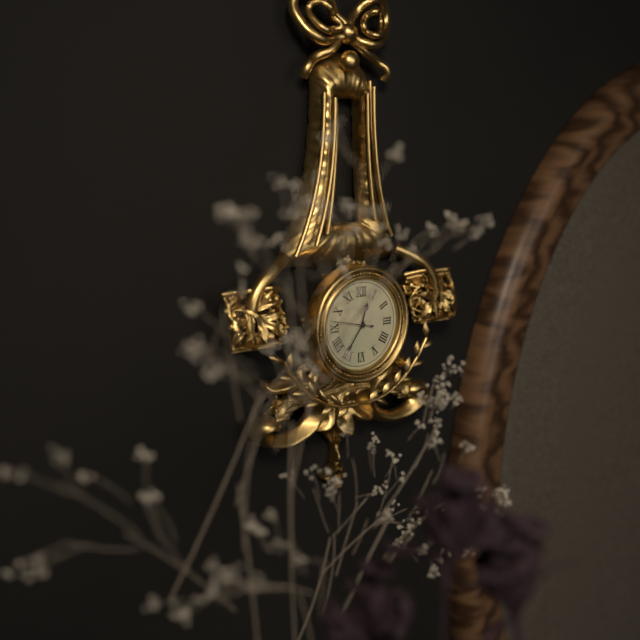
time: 12:36
